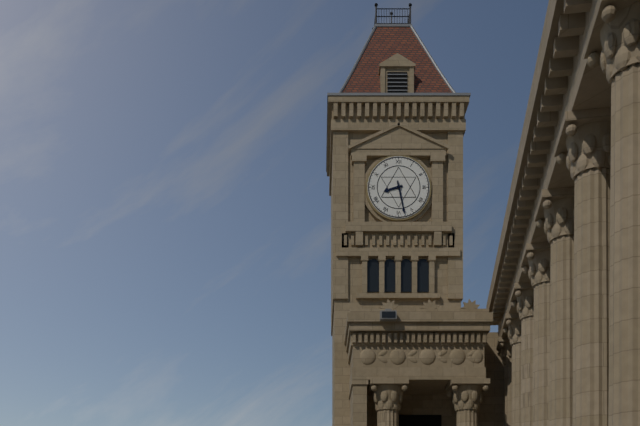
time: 8:28
